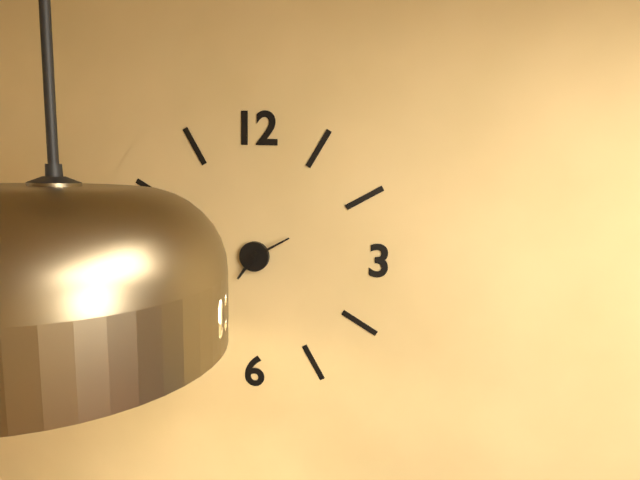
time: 7:10
